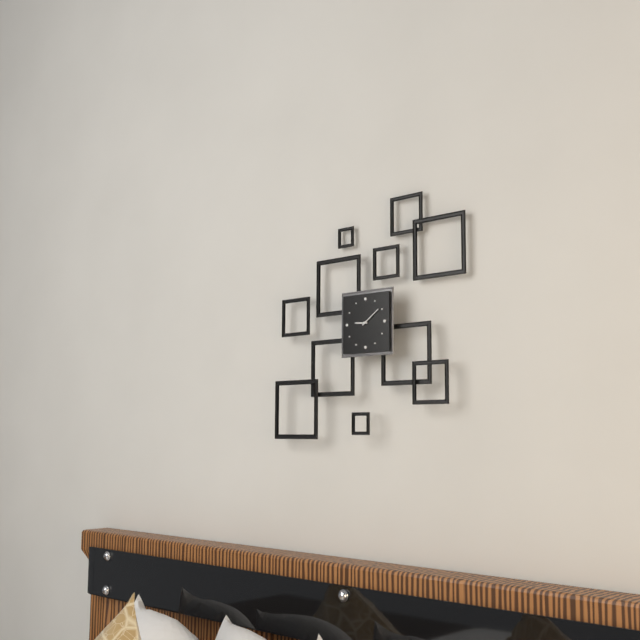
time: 9:09
